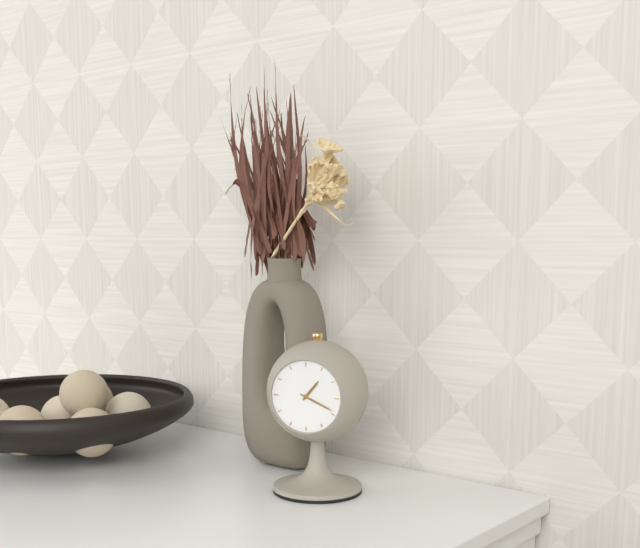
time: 1:19
